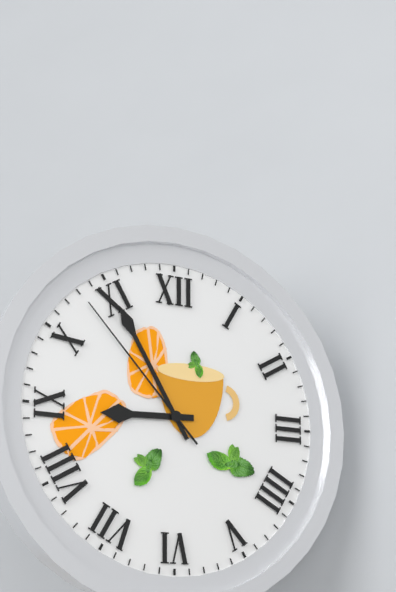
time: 8:55:53
